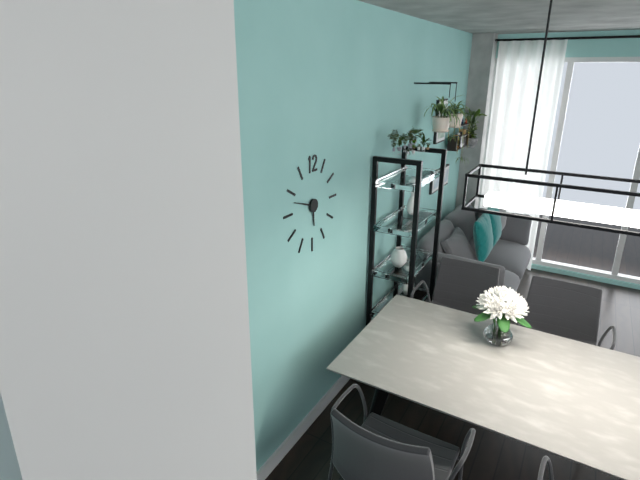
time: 5:48
